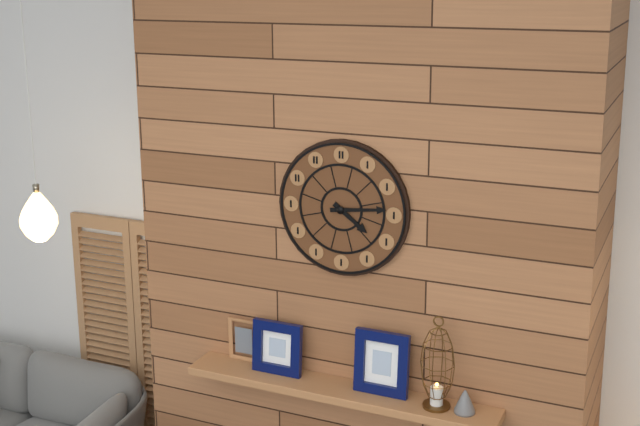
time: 4:14
